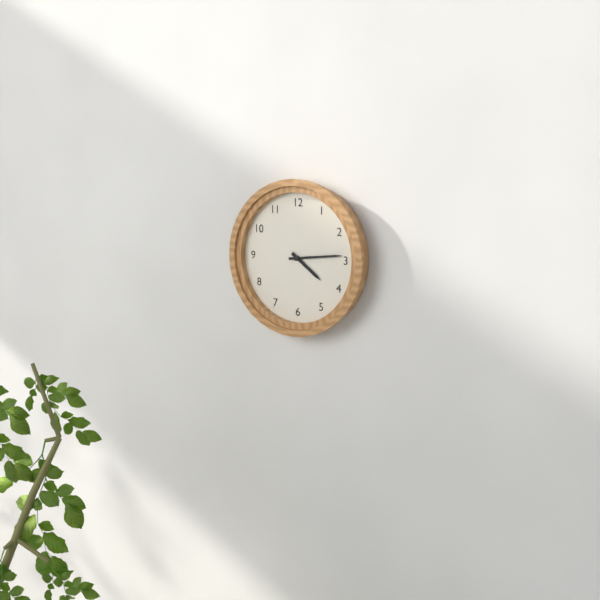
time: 4:14
